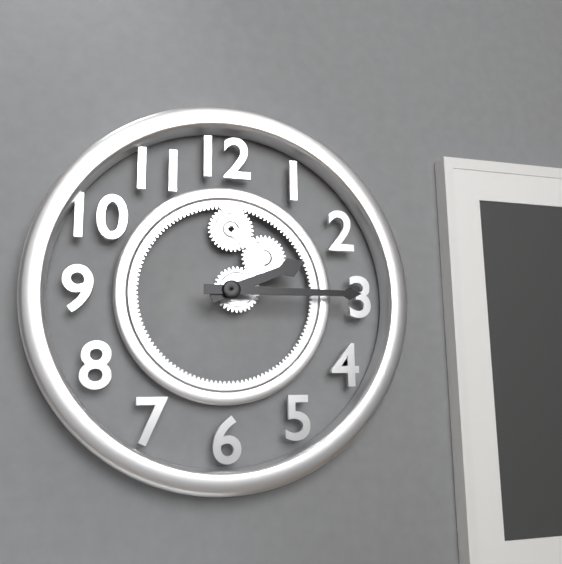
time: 2:15
